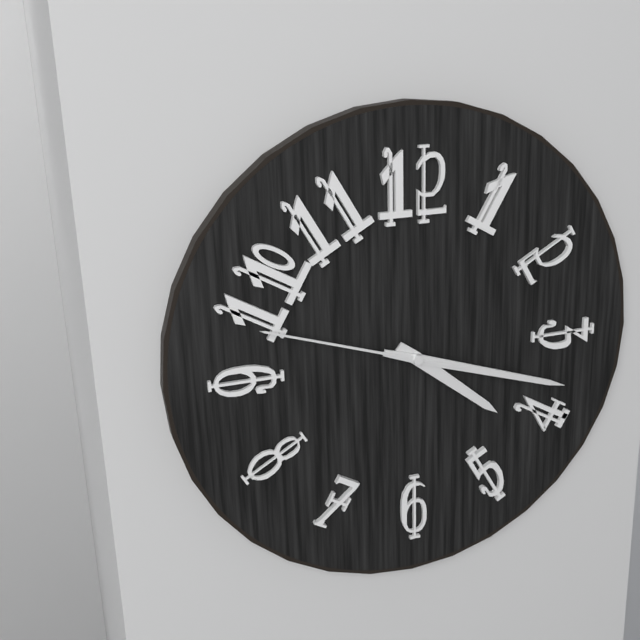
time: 4:18:48
